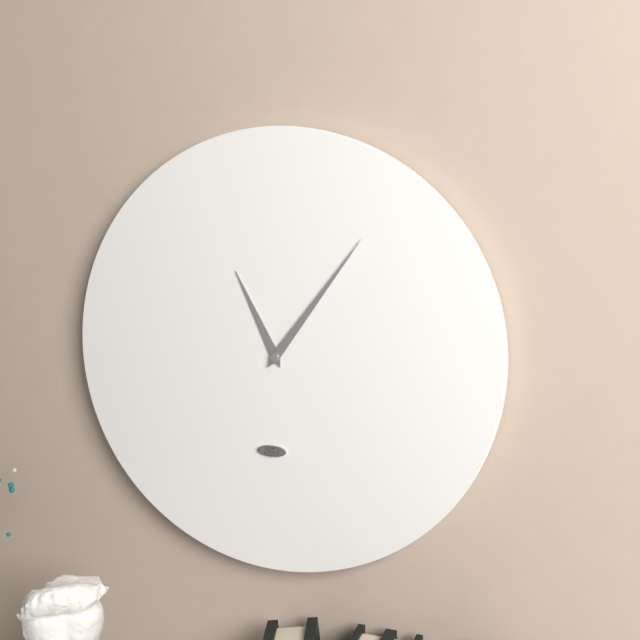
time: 11:06
